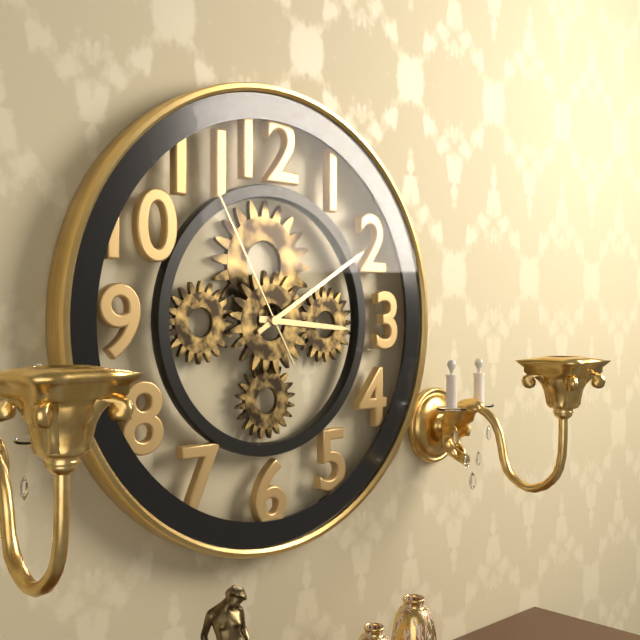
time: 3:10:55
